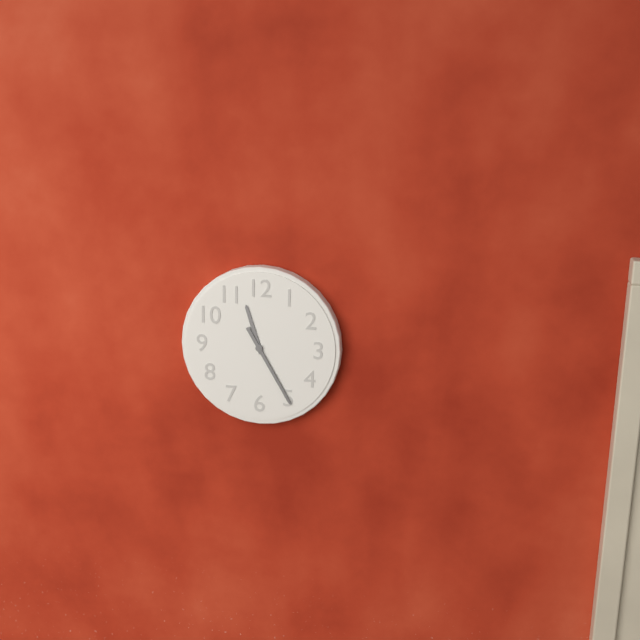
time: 11:25
